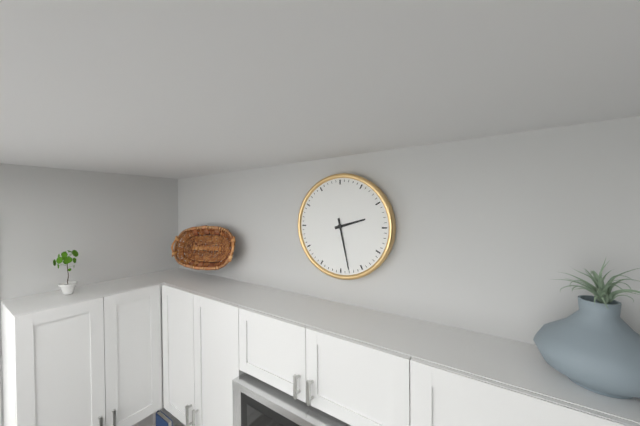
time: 2:28
